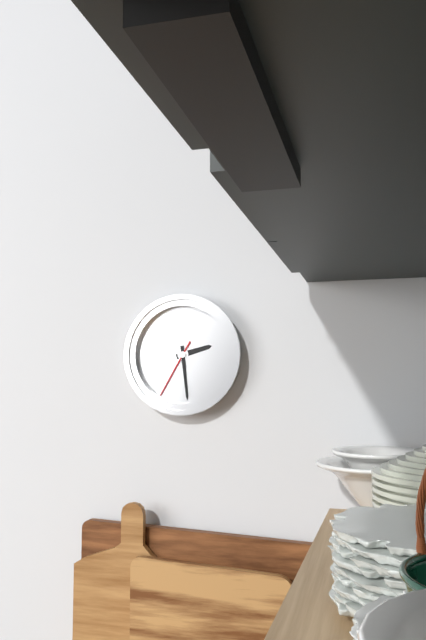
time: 2:29:35
